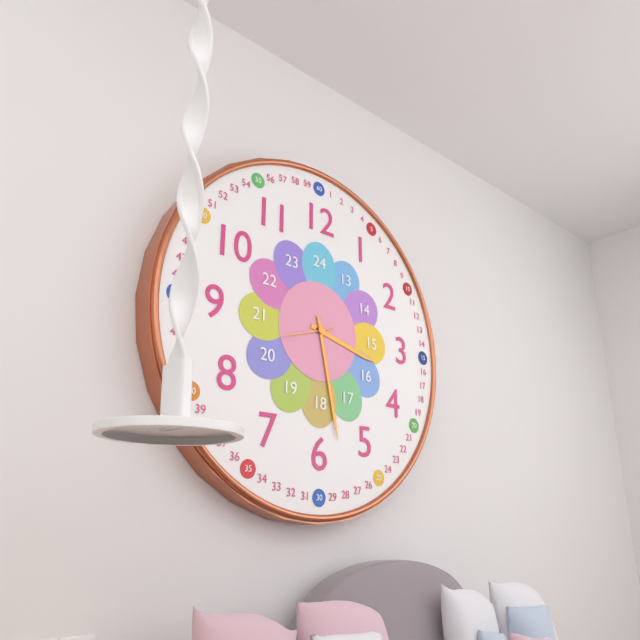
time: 3:28
